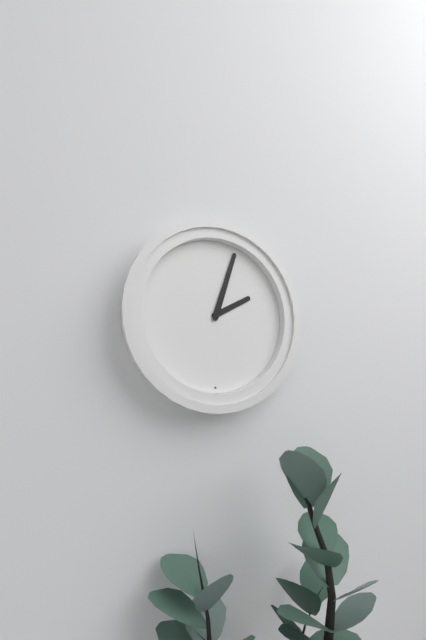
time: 2:03
